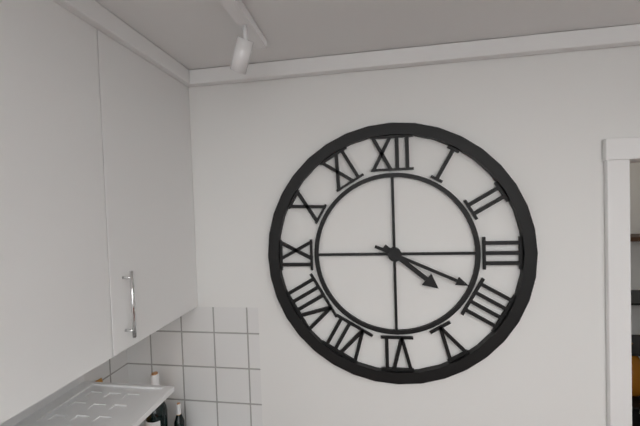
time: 4:19
